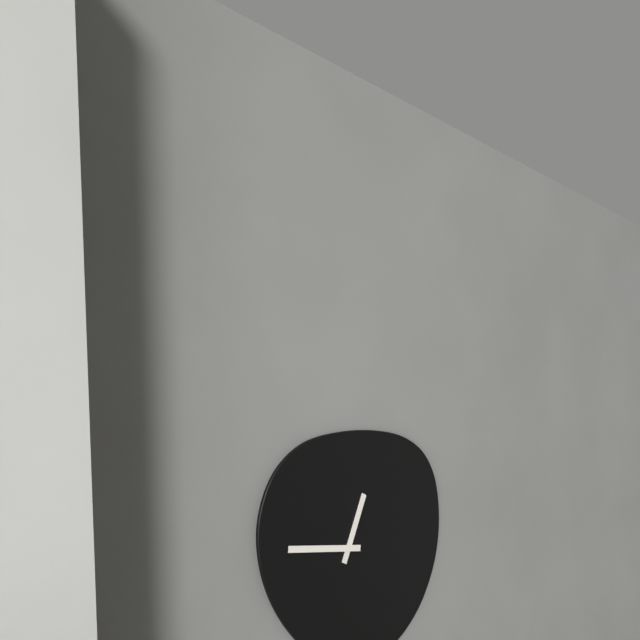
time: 12:46
